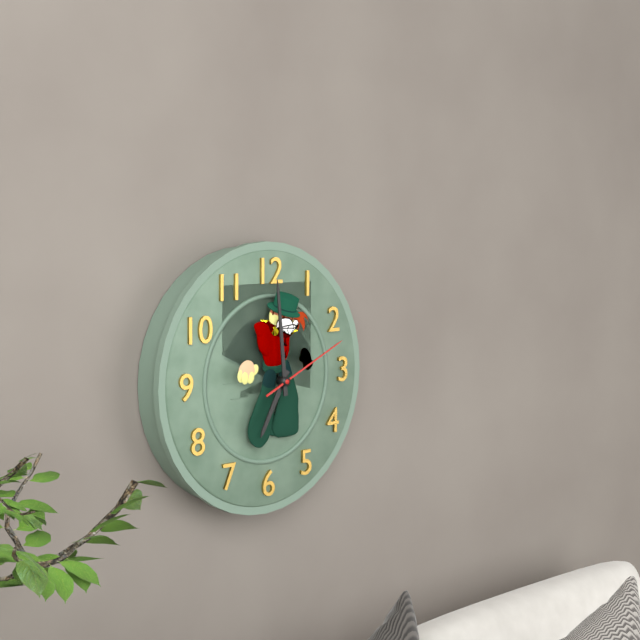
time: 6:59:11
